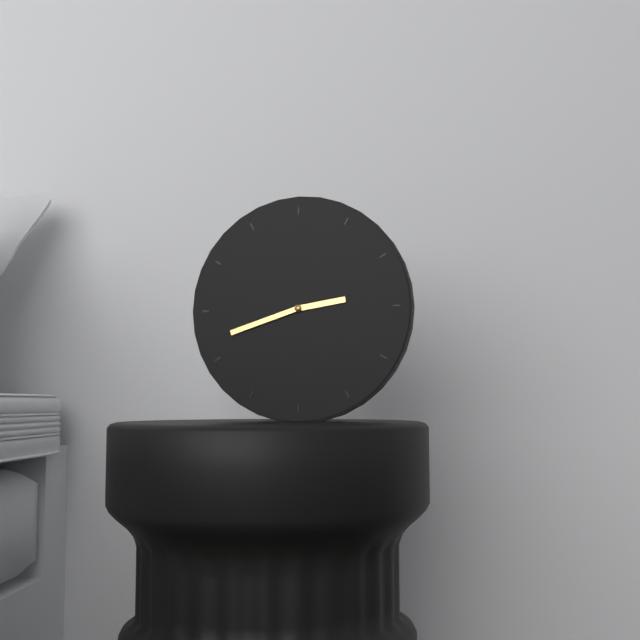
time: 2:42
